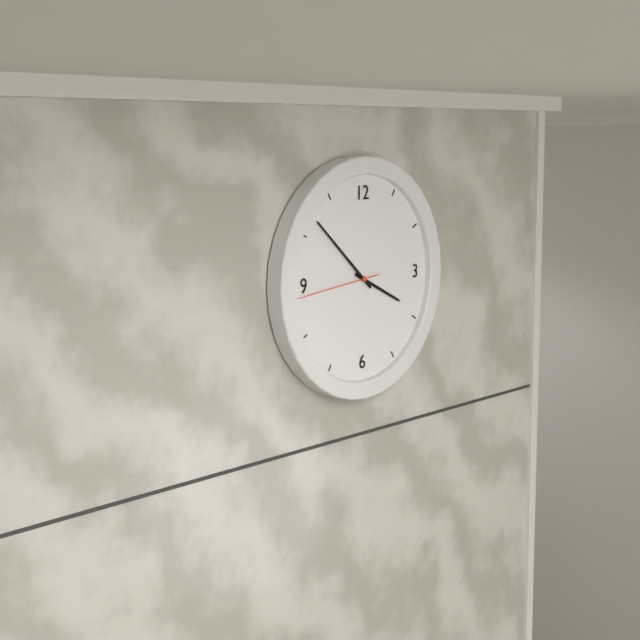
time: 3:52:44
